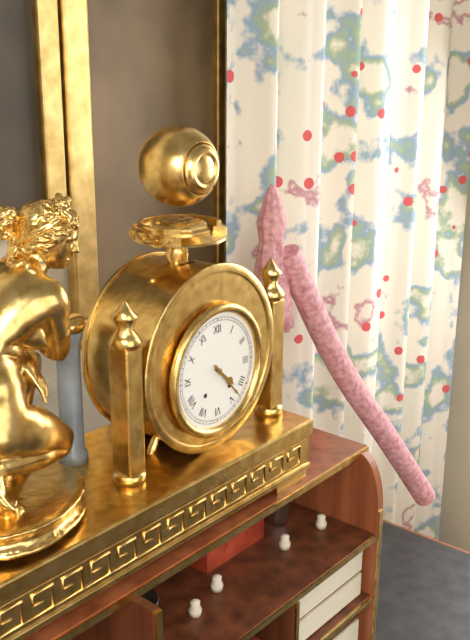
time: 4:23
